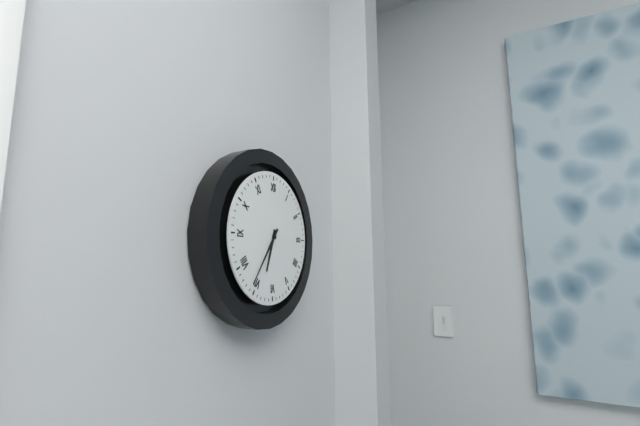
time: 6:36
